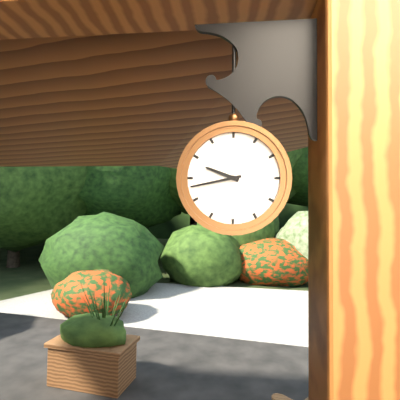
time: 9:43
